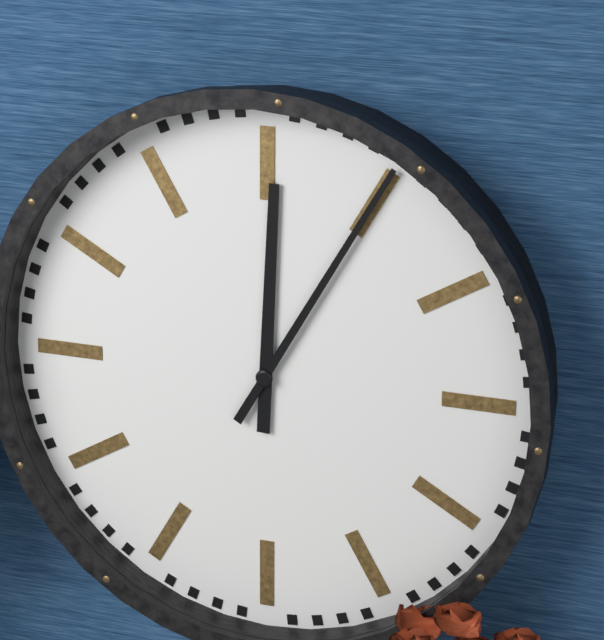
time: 12:05
